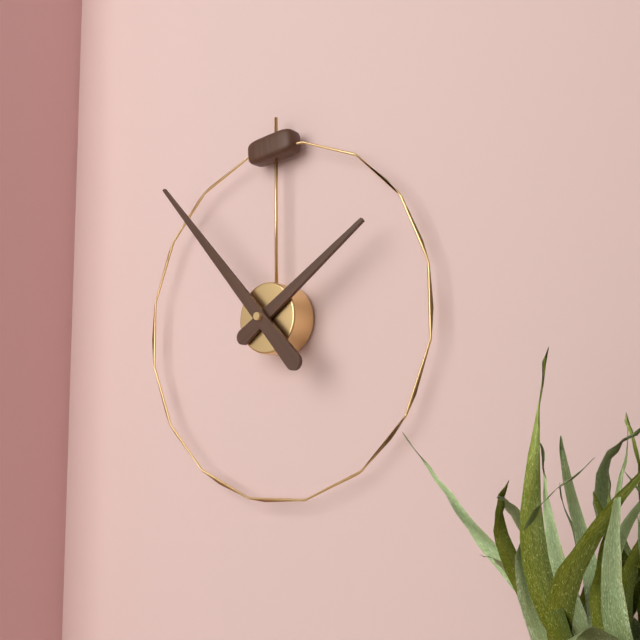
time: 1:53
